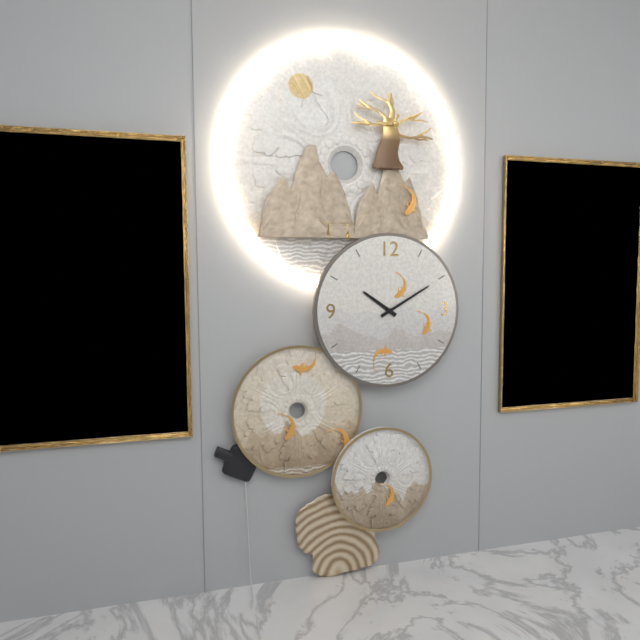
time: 10:10
